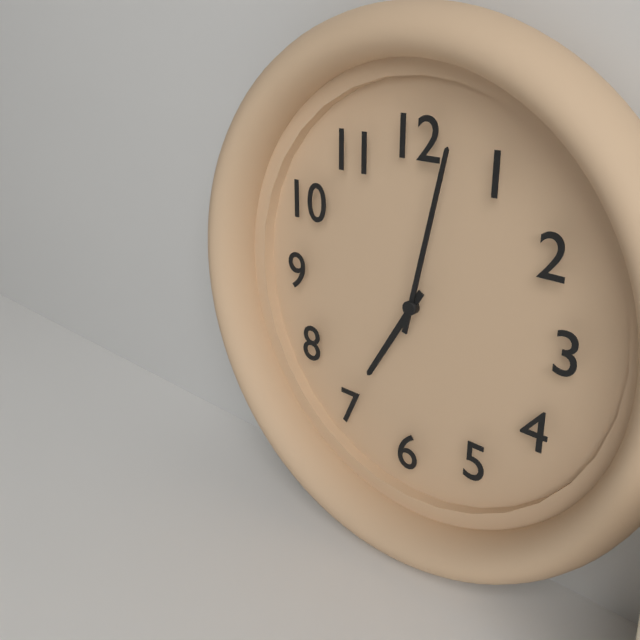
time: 7:02
